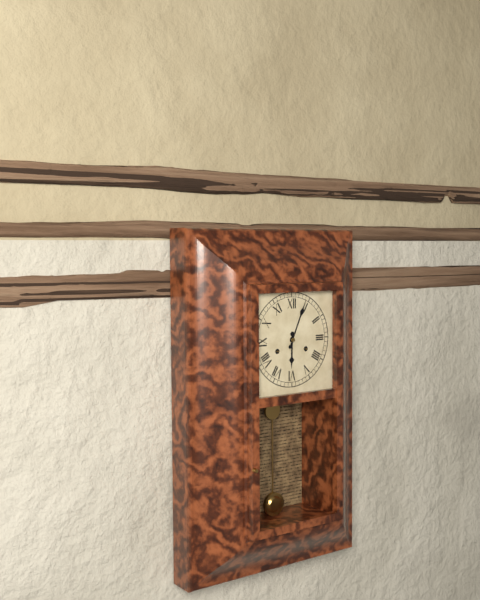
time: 6:04
